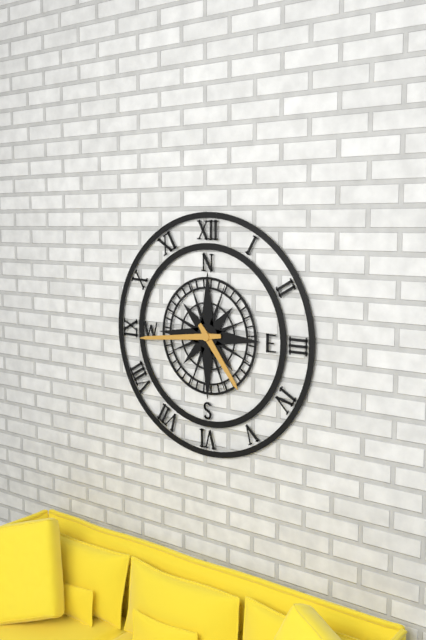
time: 4:44
